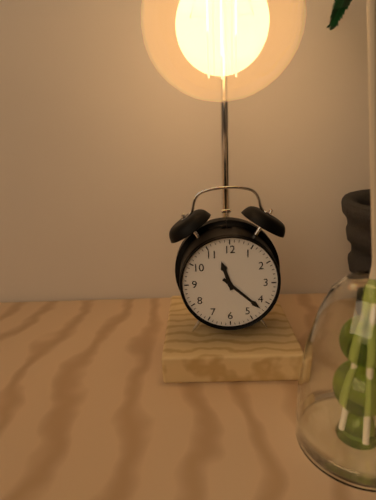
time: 11:22
